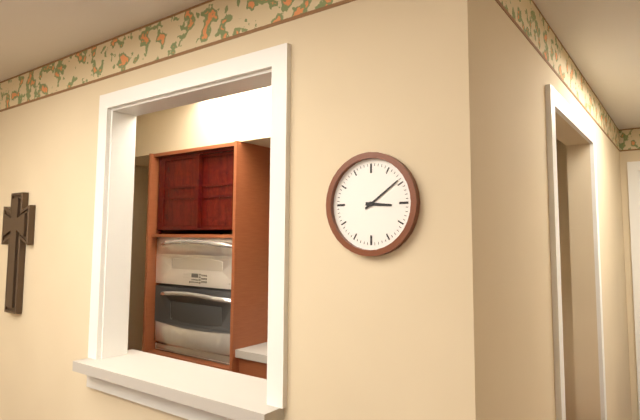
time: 3:09
